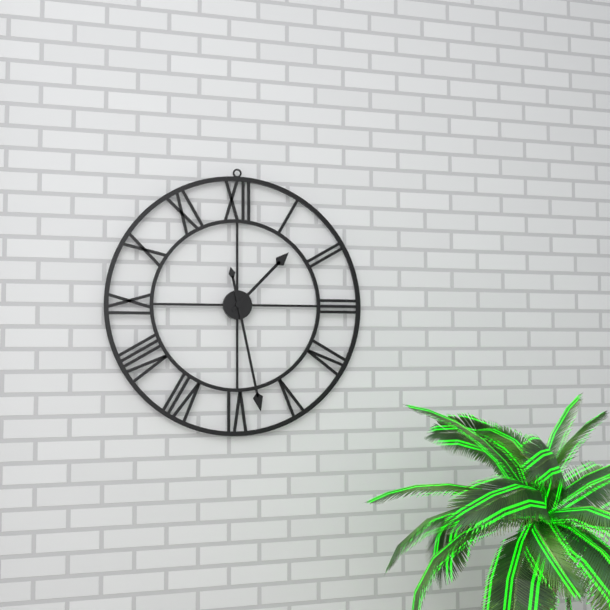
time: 1:28
